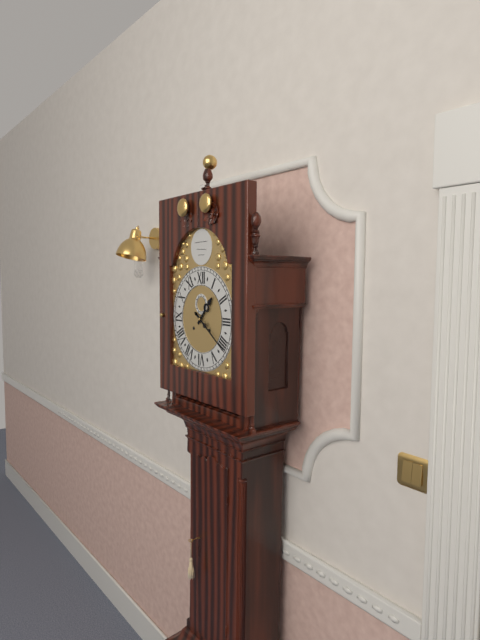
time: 1:21
